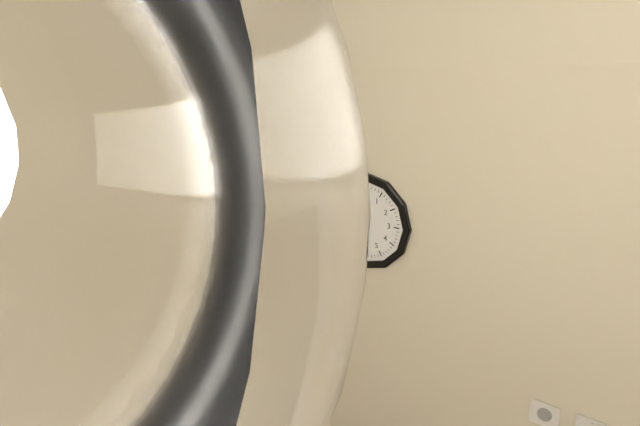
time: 5:45
